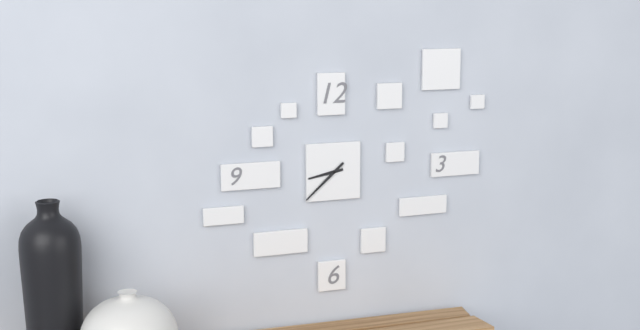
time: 8:38
